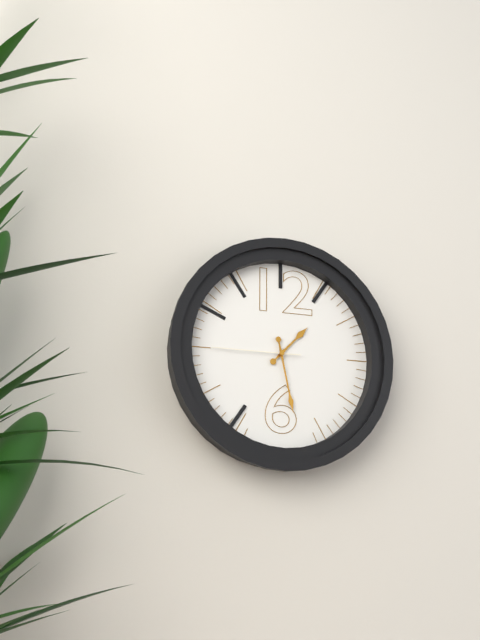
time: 1:28:45
